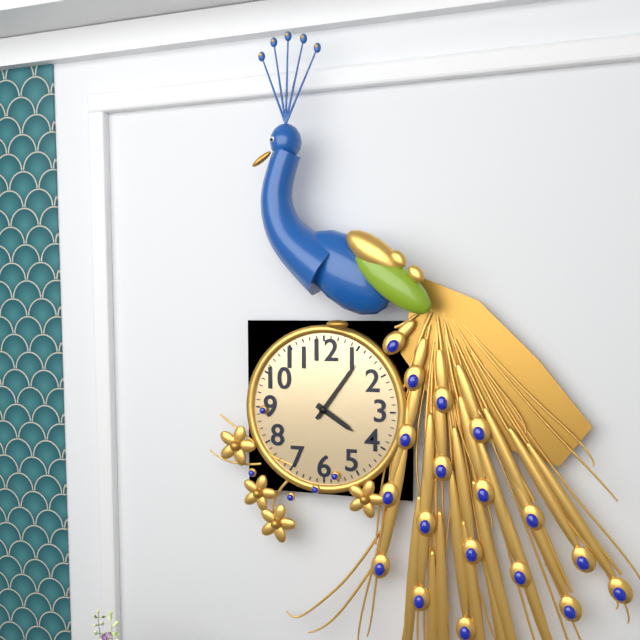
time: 4:06
